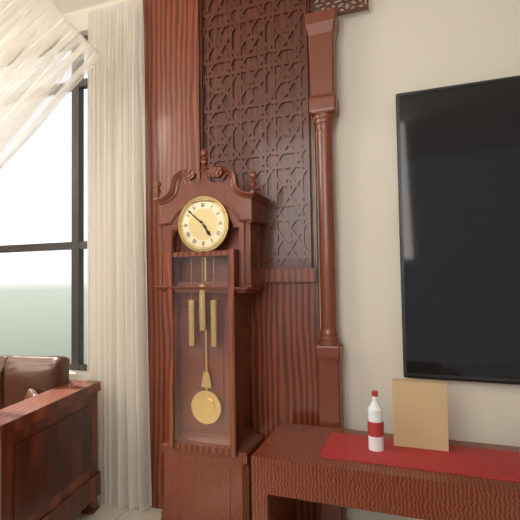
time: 4:52
